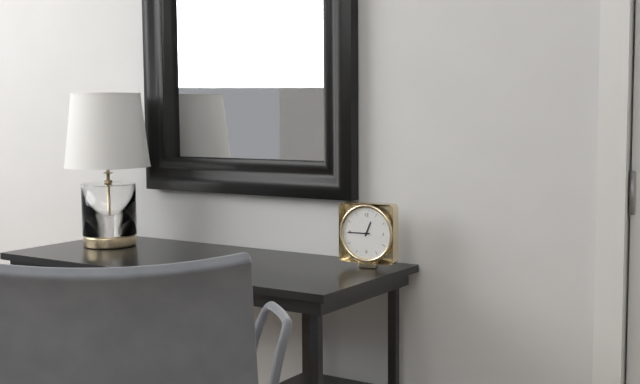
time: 12:45
